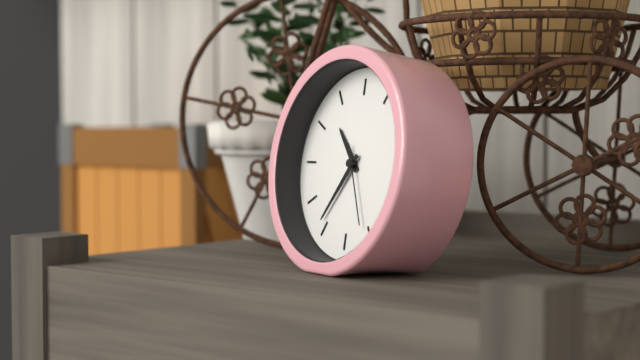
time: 10:36:26
